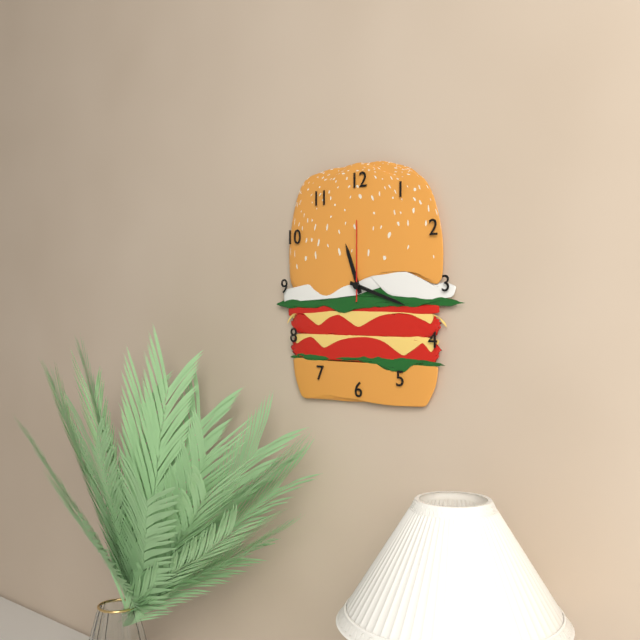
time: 11:18:00
